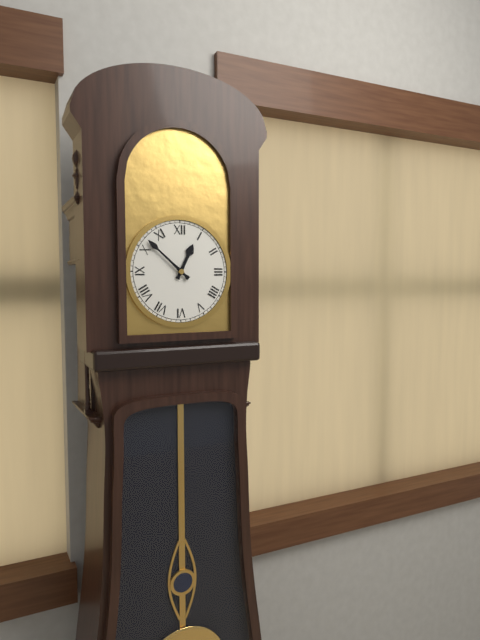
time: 12:52
